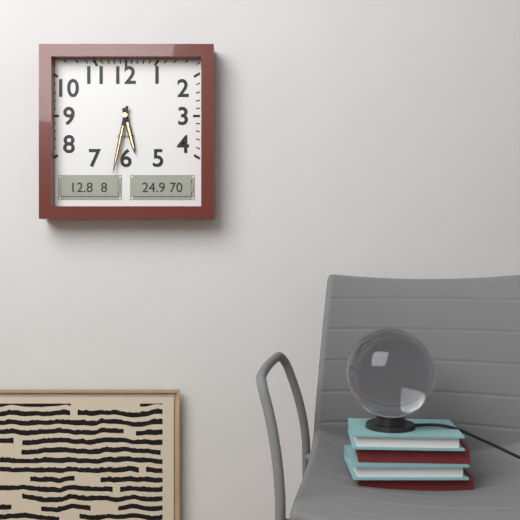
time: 5:32
